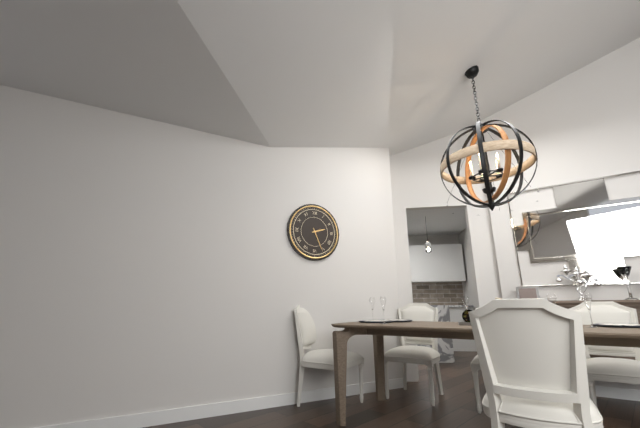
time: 2:26
